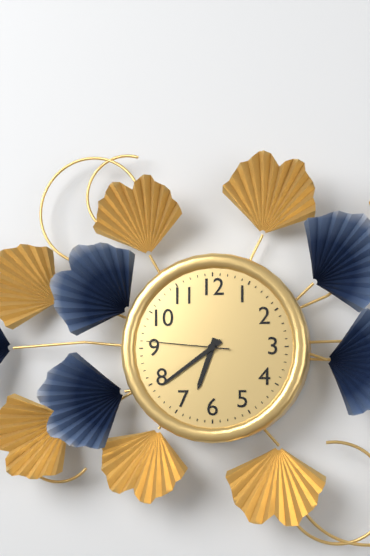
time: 6:39:46
